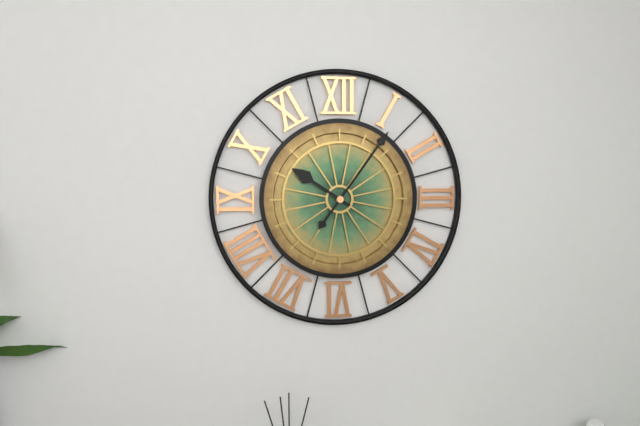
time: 10:06
